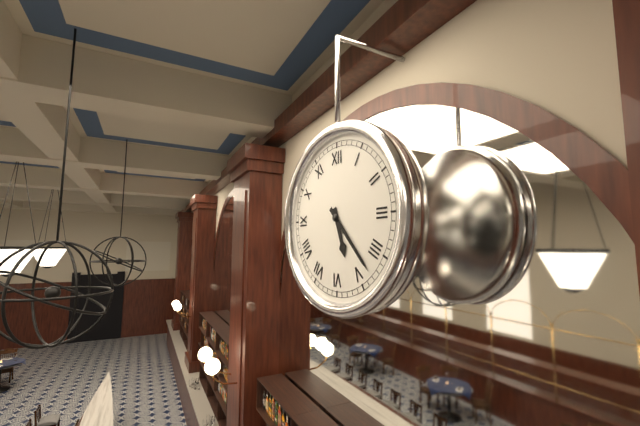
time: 5:23
